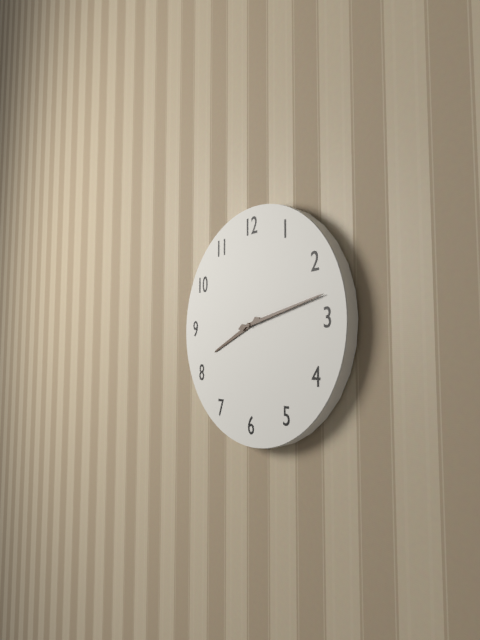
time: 8:13
